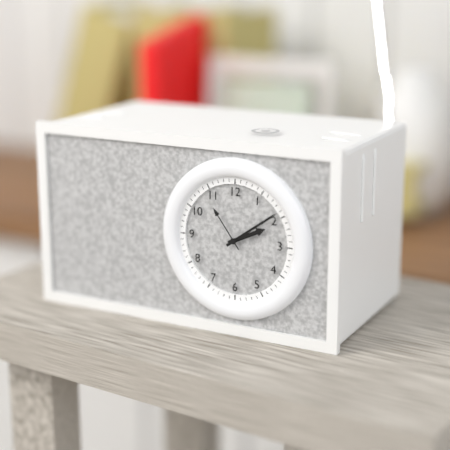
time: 2:09
